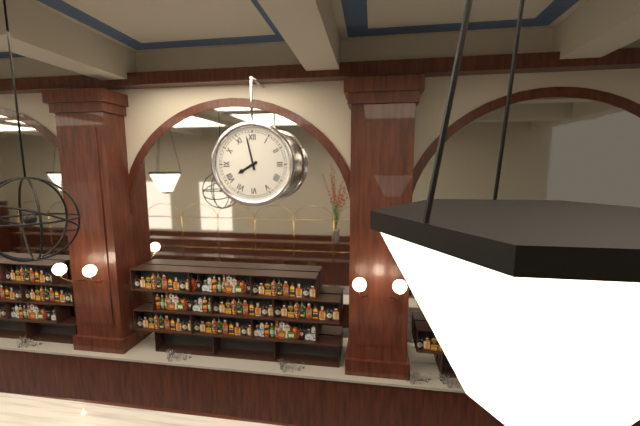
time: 7:58
